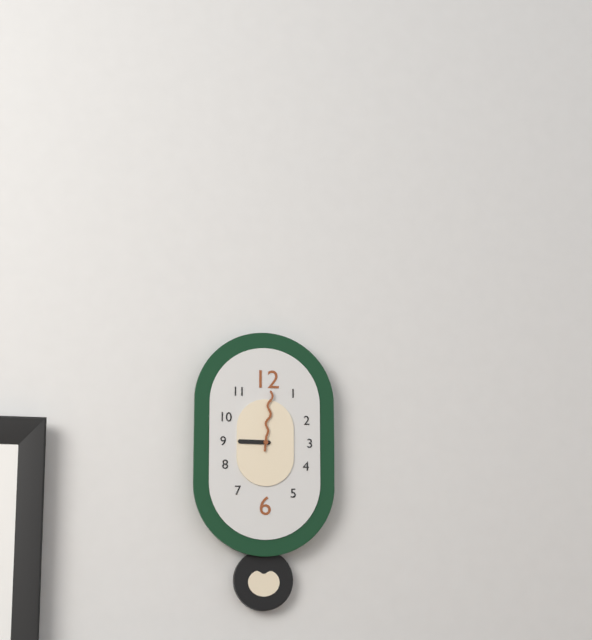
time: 9:01
